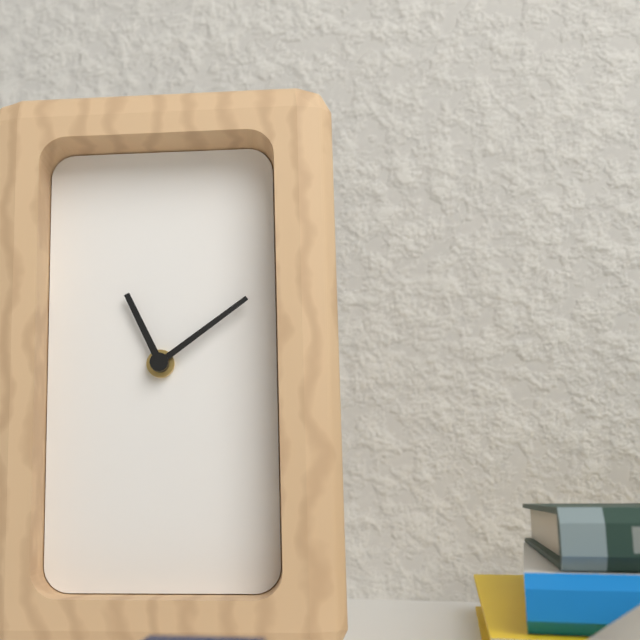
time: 11:09
